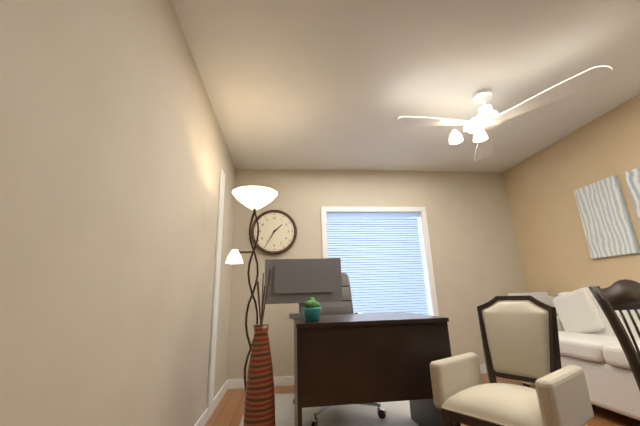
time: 1:35
